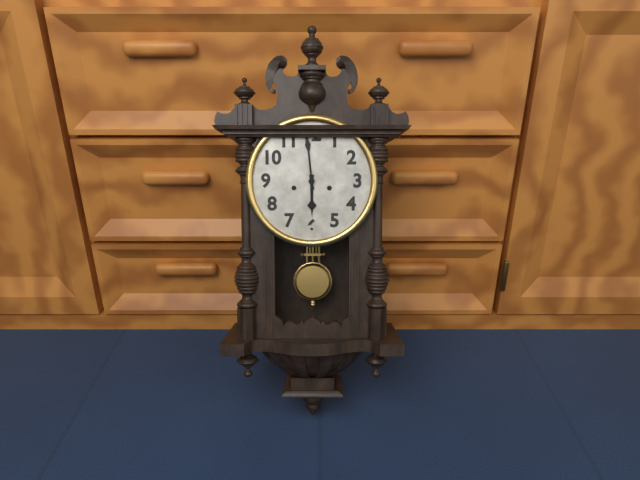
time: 5:59
